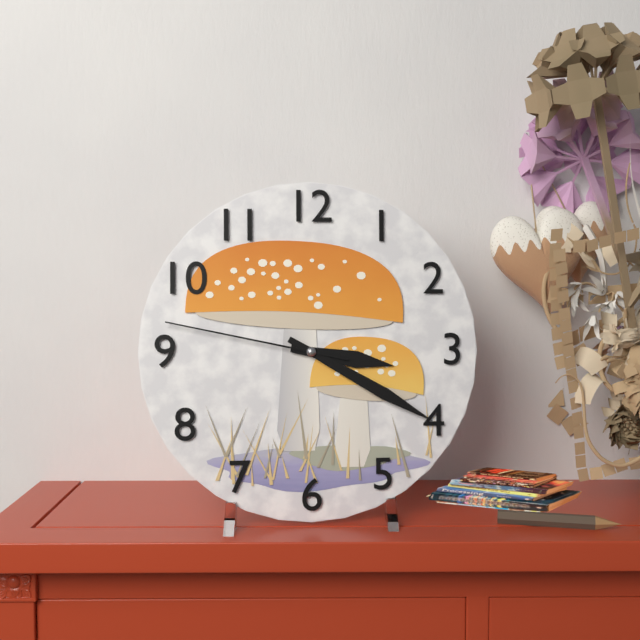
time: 3:20:47
